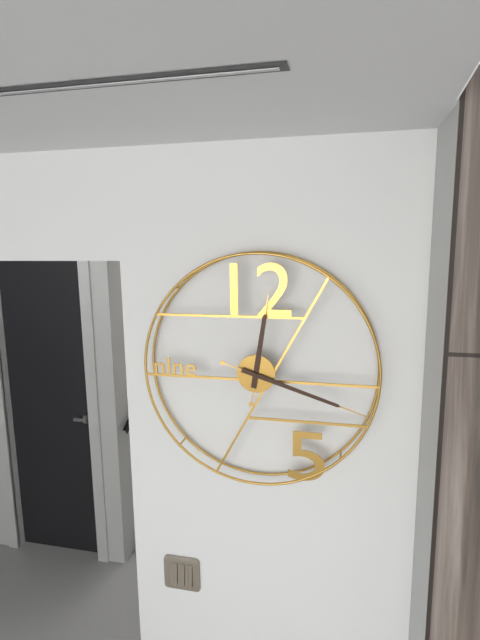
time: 12:18
